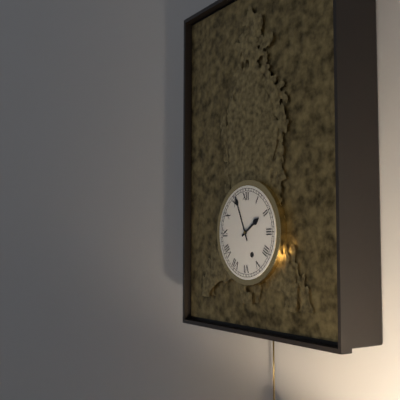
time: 1:56
